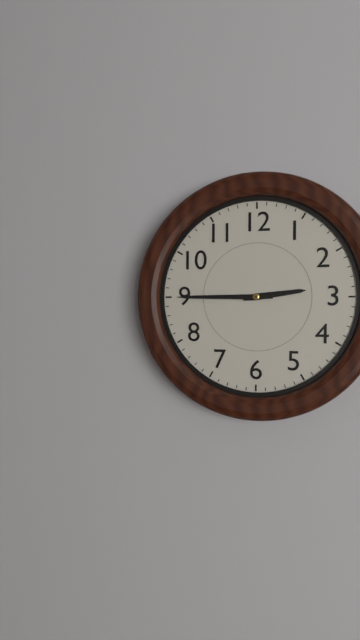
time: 2:45
